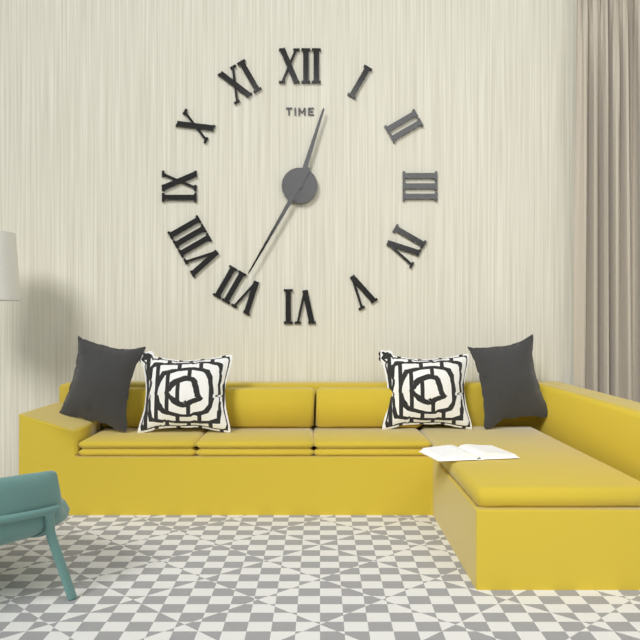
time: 12:35
